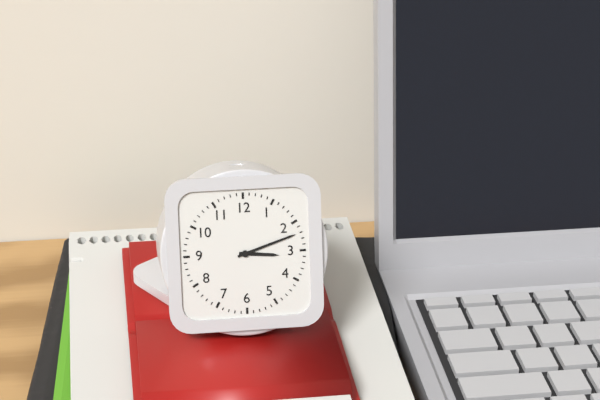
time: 3:12
